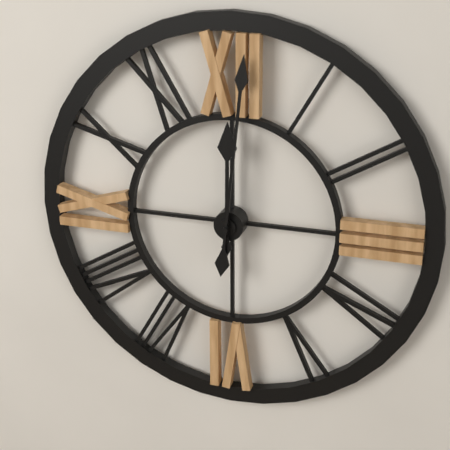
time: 12:01
